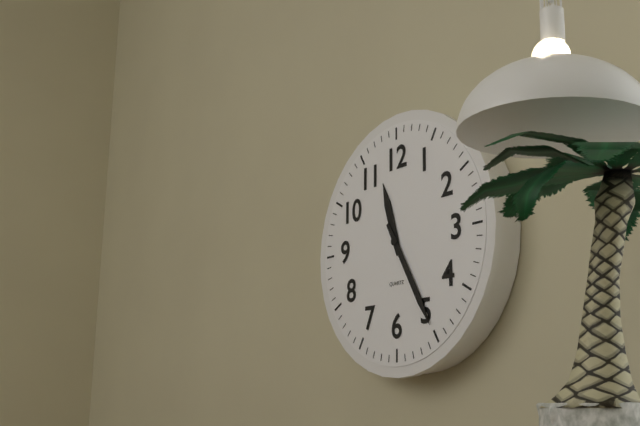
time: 11:25
